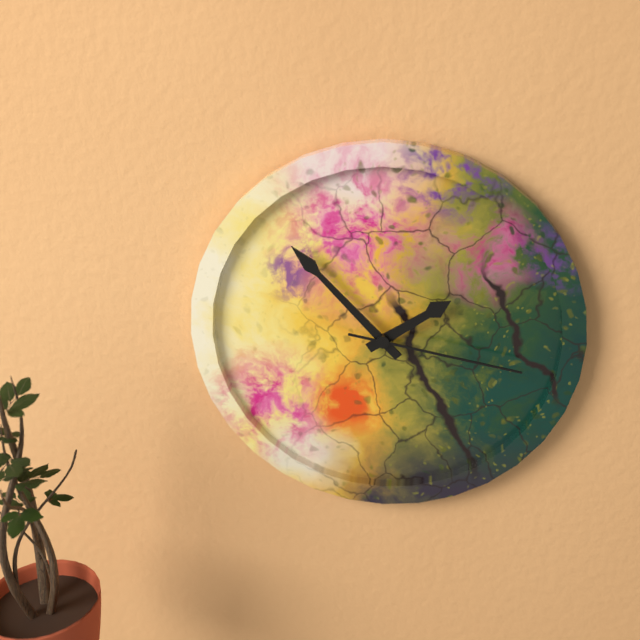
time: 1:53:17
